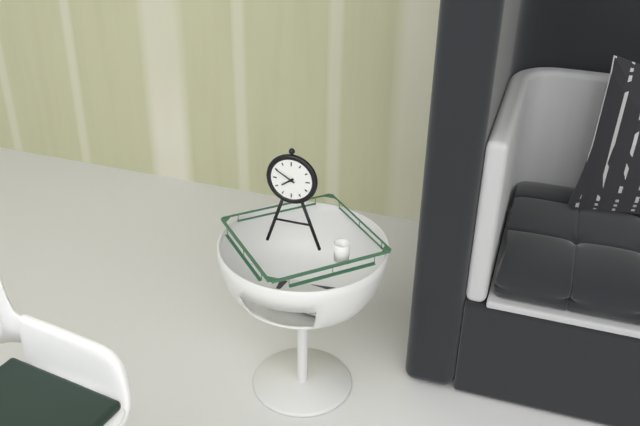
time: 7:50
